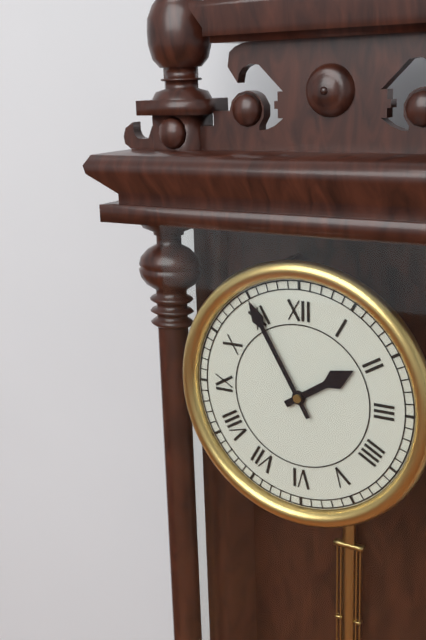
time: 1:55
